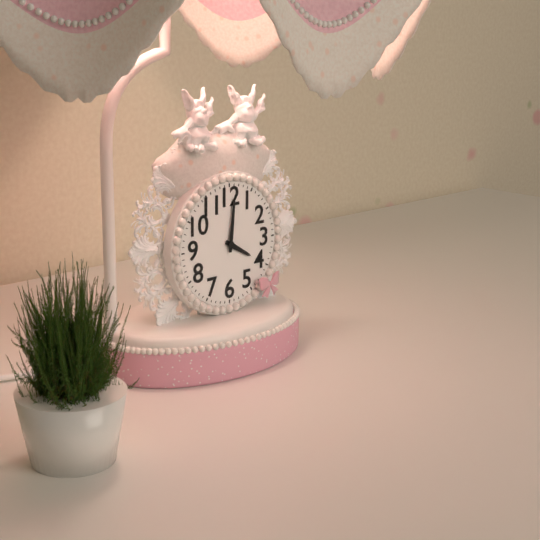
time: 4:01
